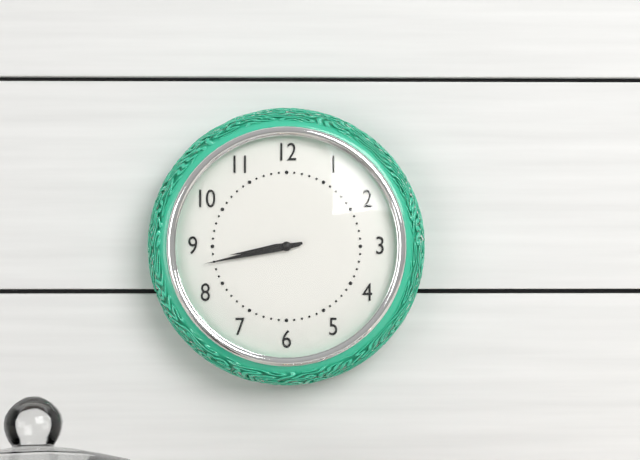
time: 8:43
